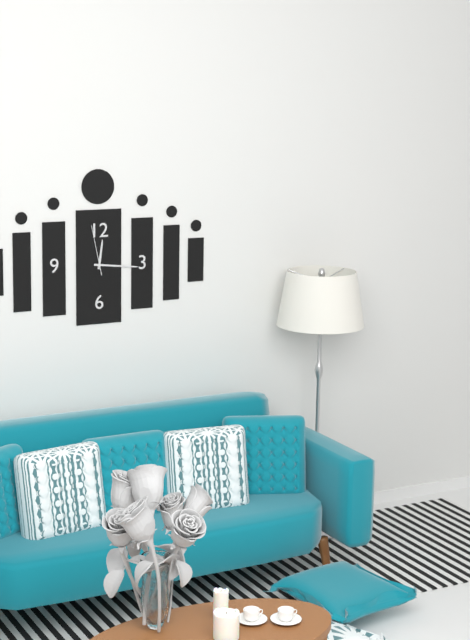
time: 12:16:58
